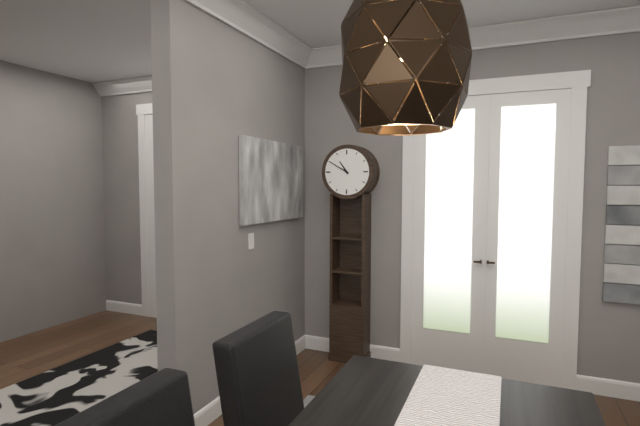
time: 10:50
